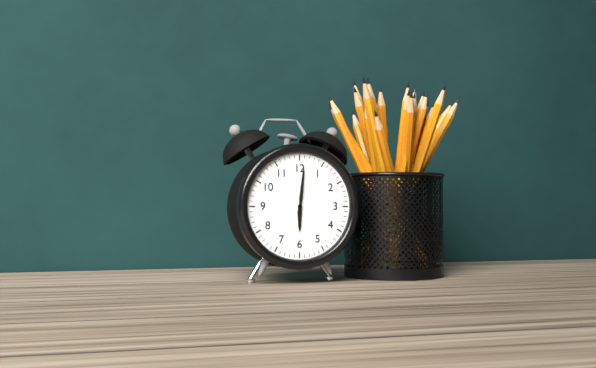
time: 6:01
